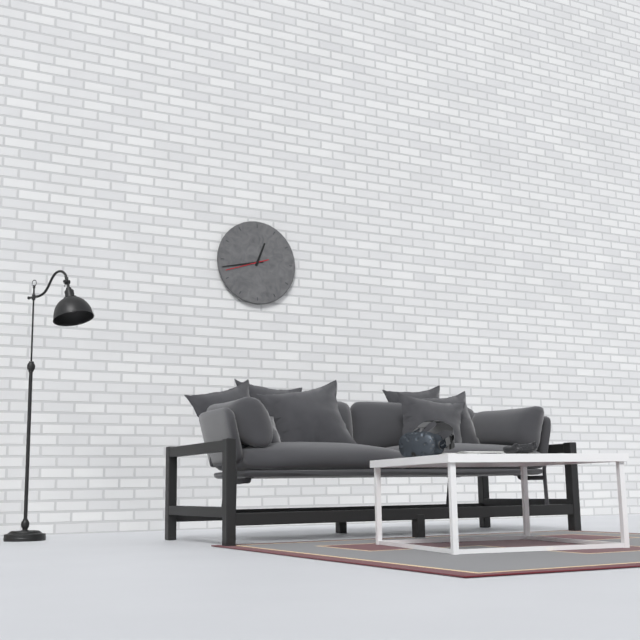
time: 12:43
